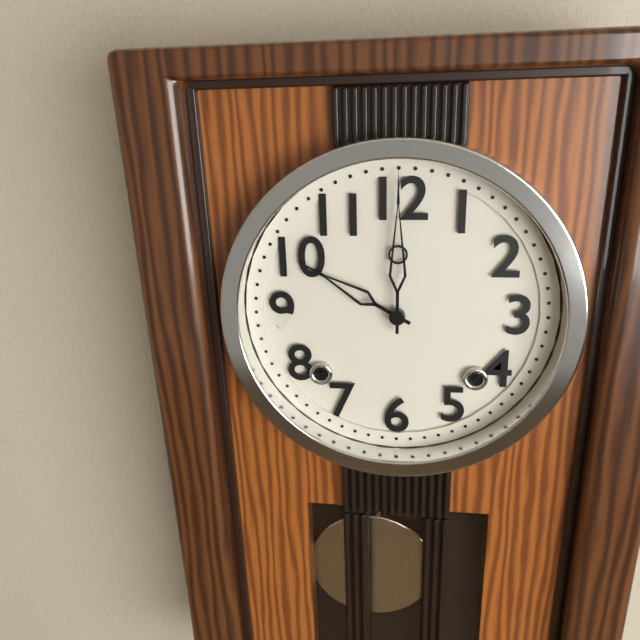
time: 10:00
